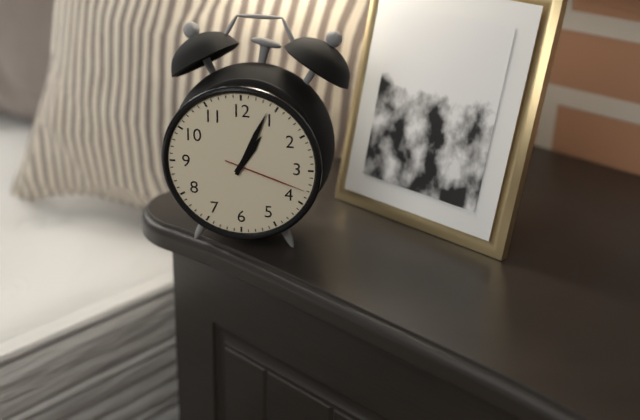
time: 1:04:18
